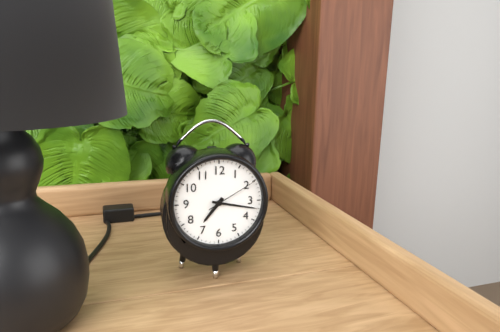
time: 7:17:10
